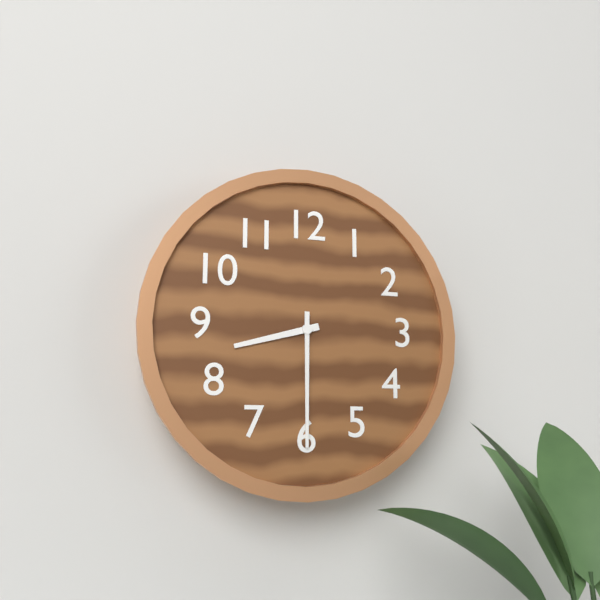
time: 8:30
